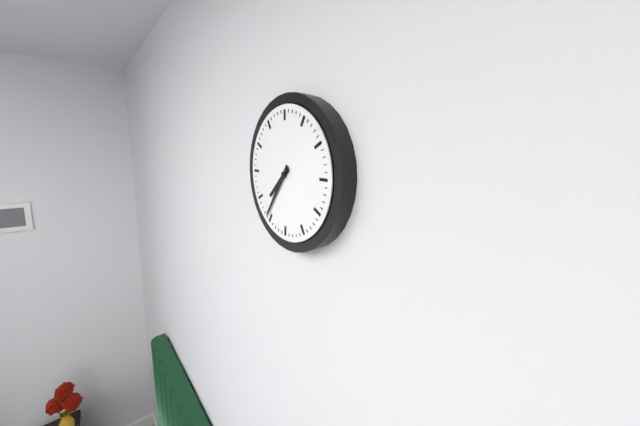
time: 7:36
